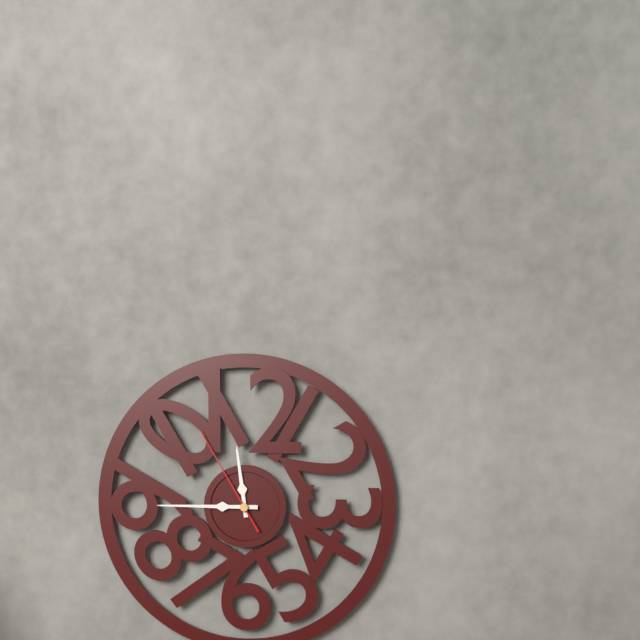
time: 11:45:55
